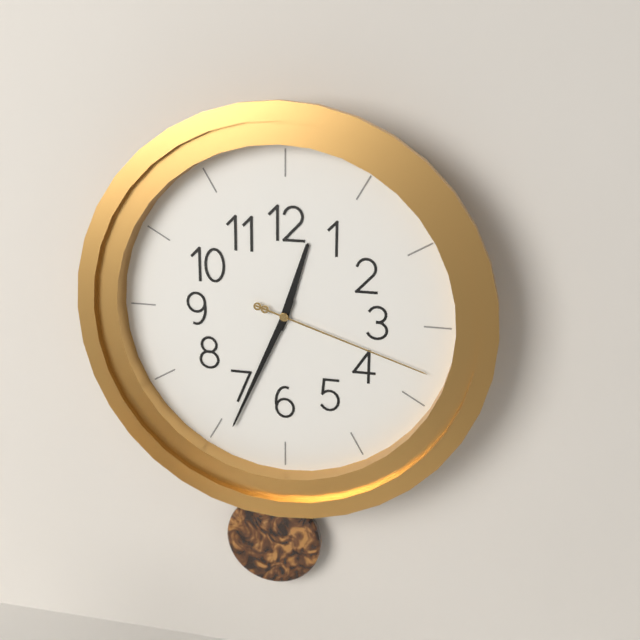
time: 12:34:18
